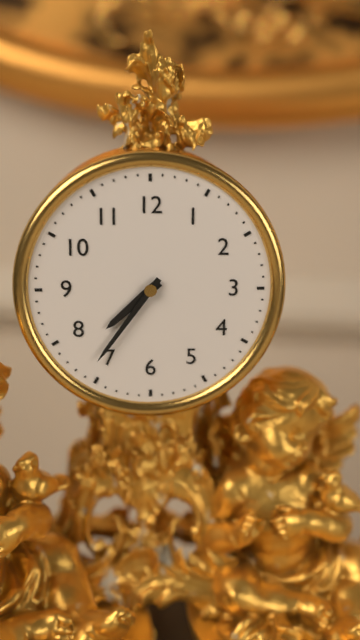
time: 7:36
